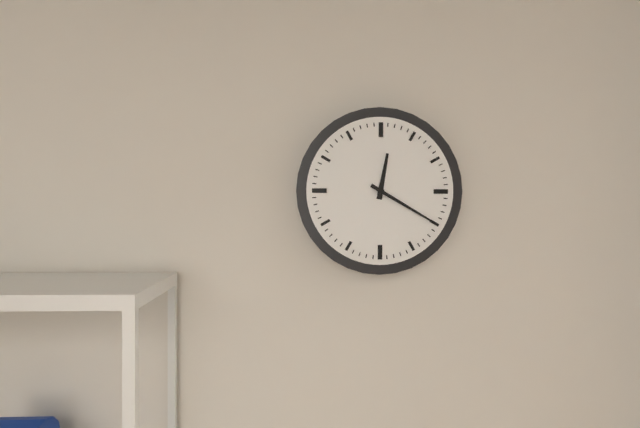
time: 12:20
